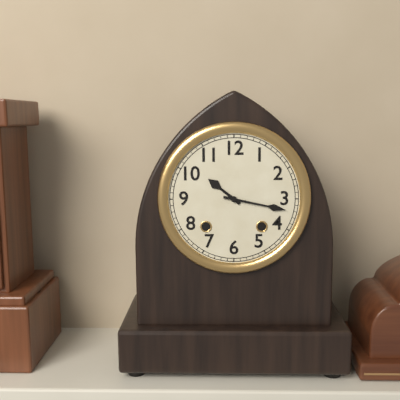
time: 10:17
